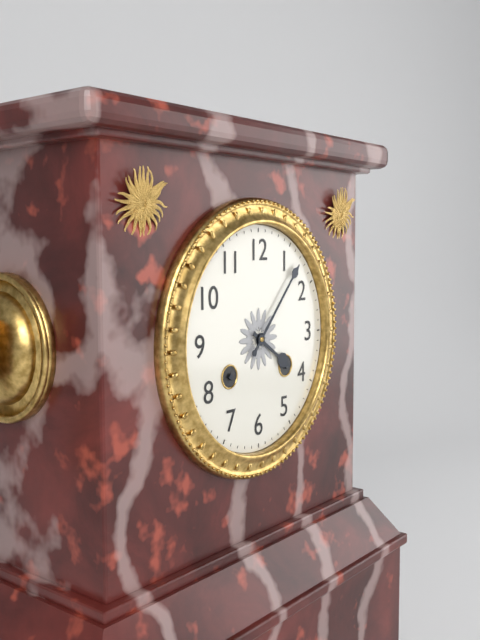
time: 4:07
